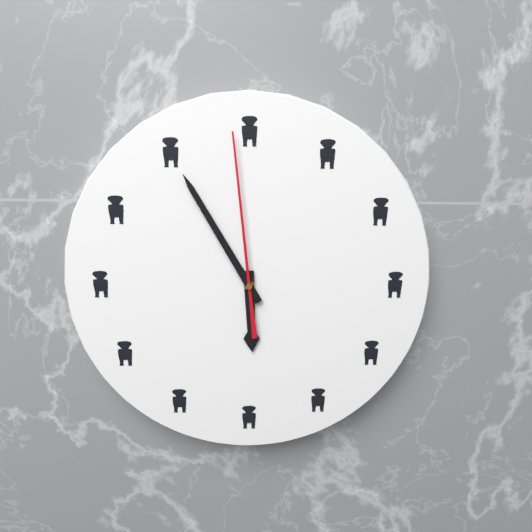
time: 5:55:59
